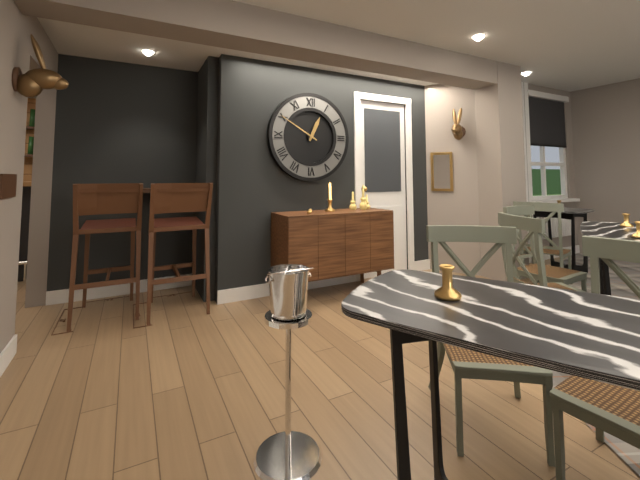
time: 12:50
